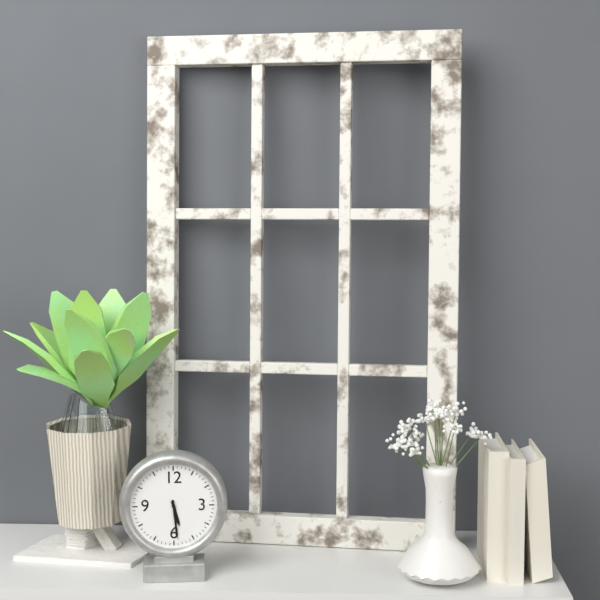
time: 5:29
